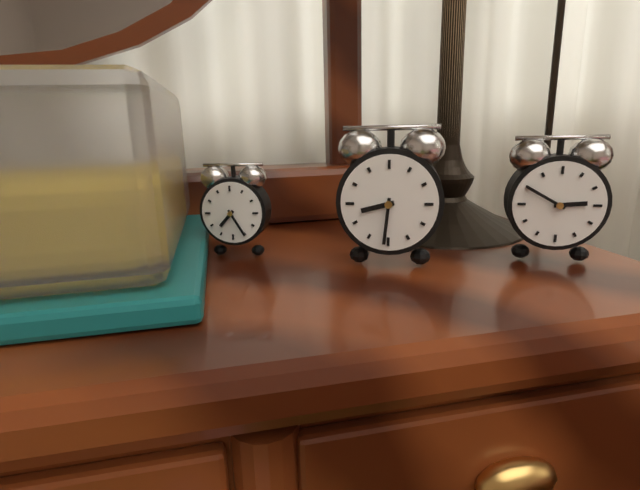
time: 8:31
